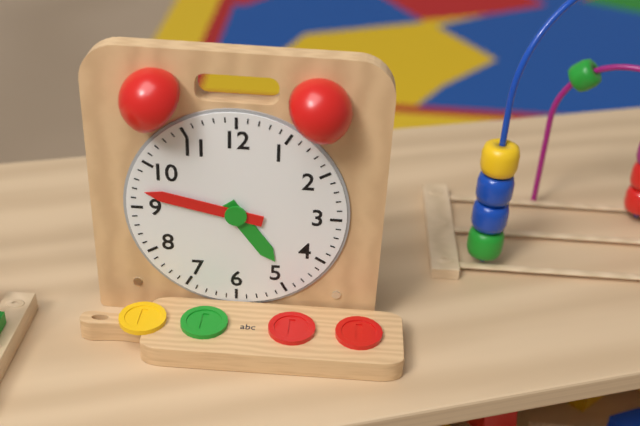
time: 4:47
